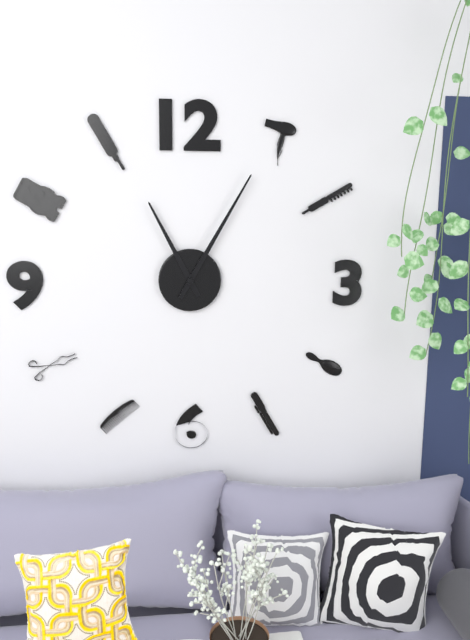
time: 11:05
